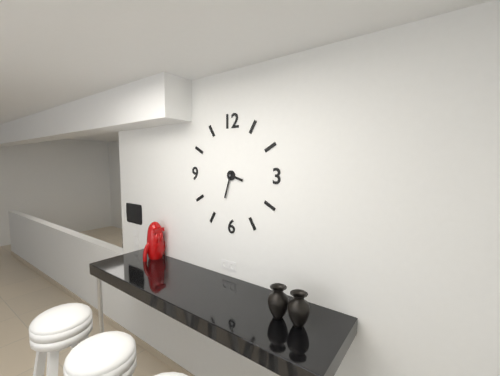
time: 3:33
